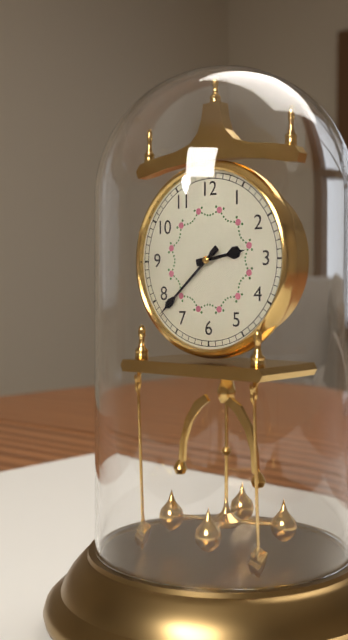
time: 2:38
